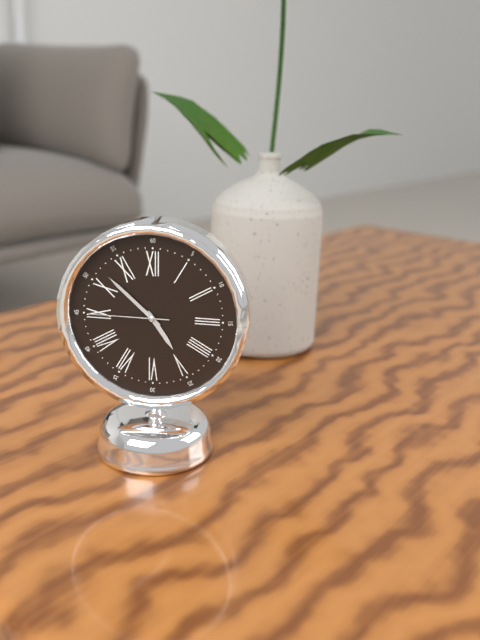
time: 4:52:45
